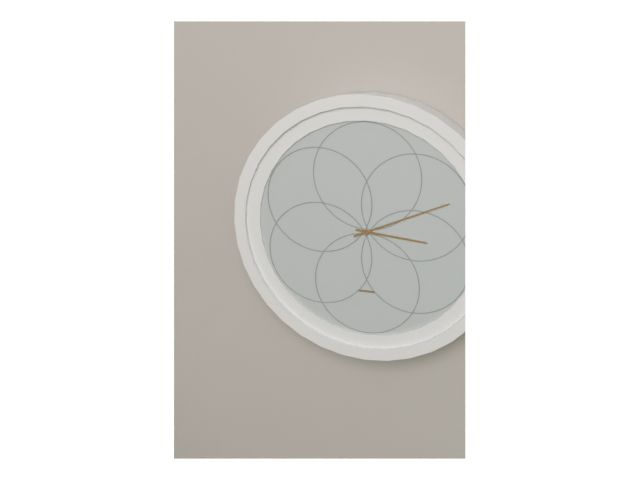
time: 3:11
